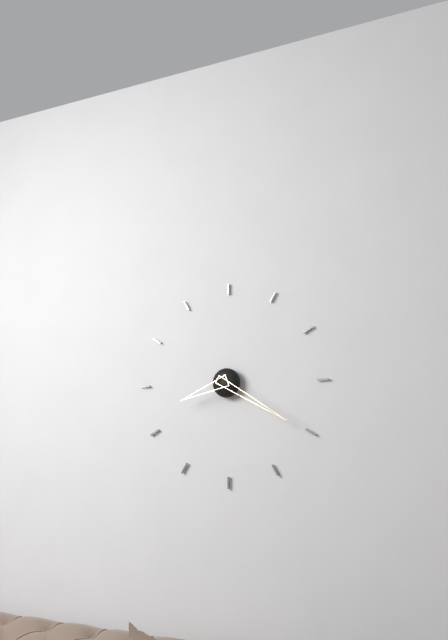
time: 8:20
